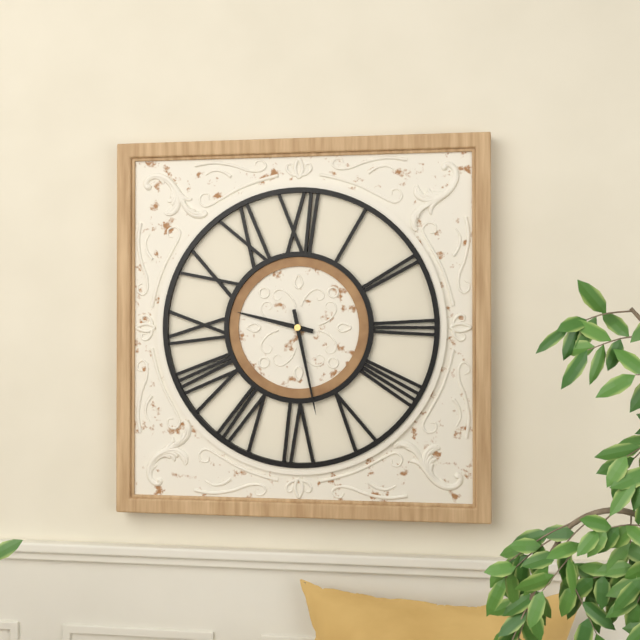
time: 9:28
